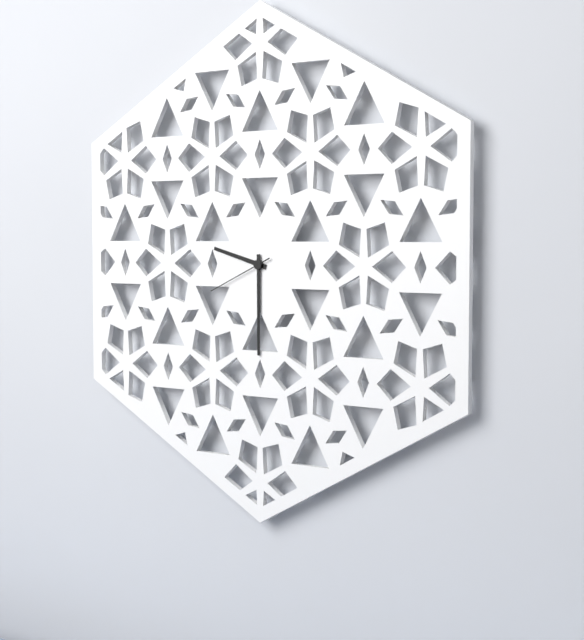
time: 9:30:41
